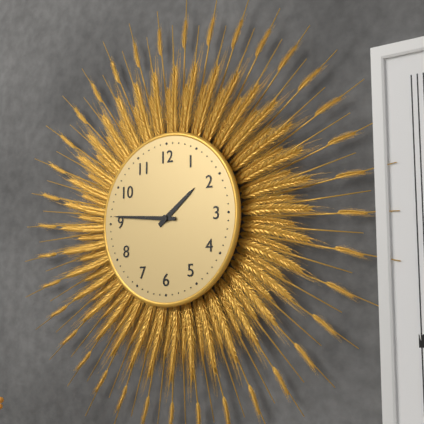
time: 1:46
